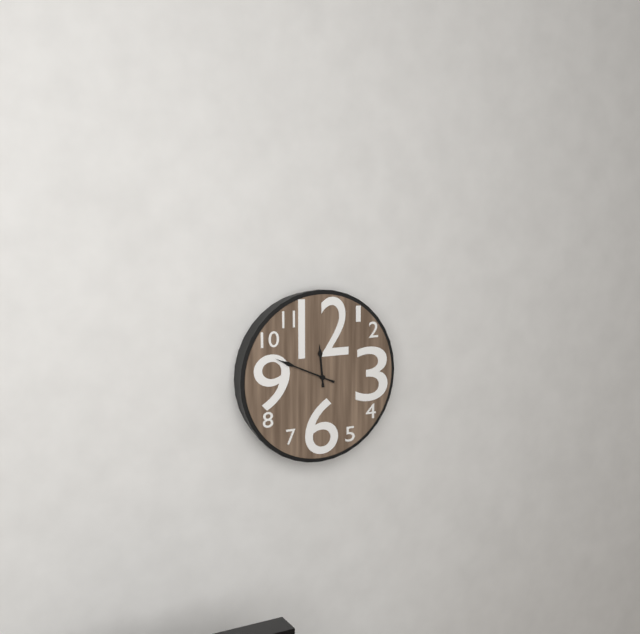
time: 11:49
